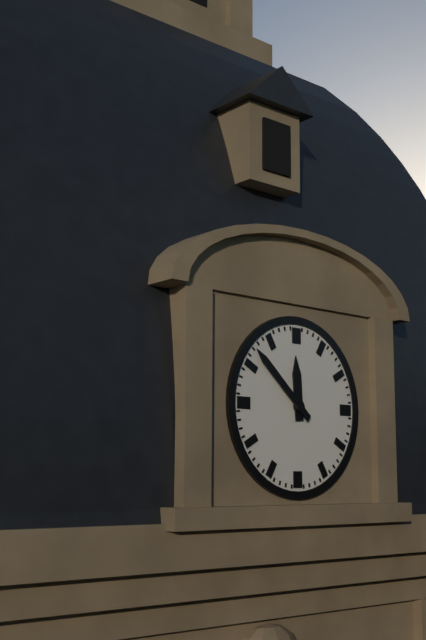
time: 11:52
